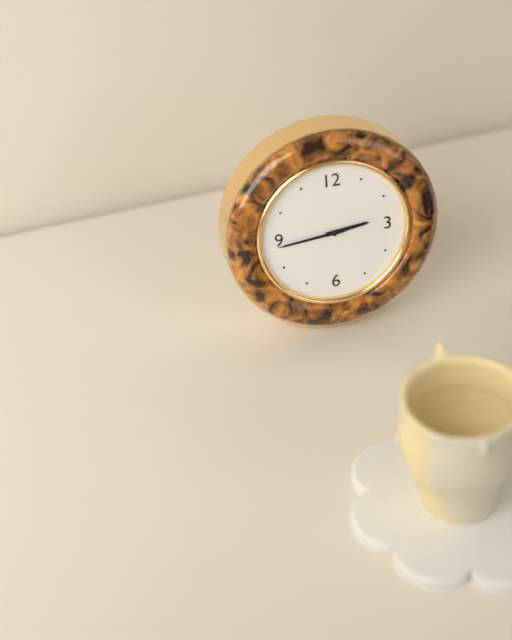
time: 2:44
